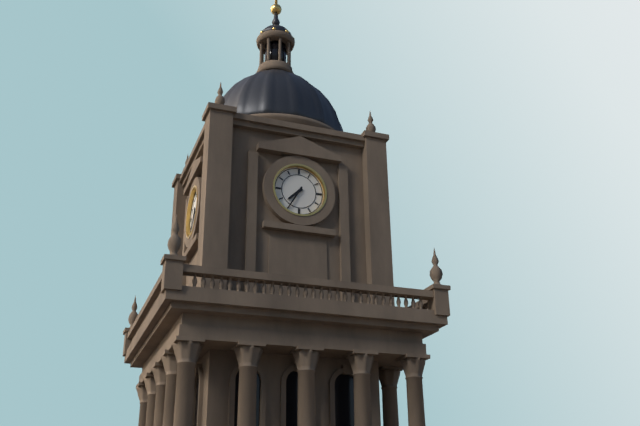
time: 7:35
